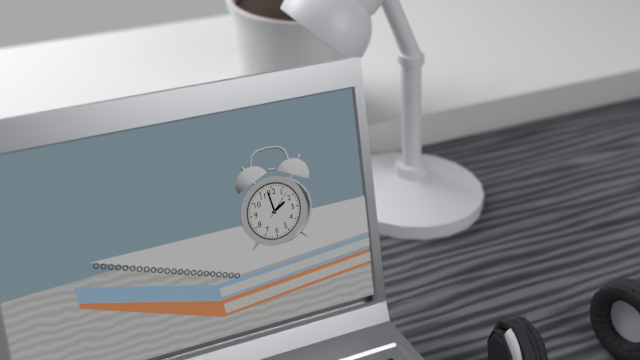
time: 1:58
